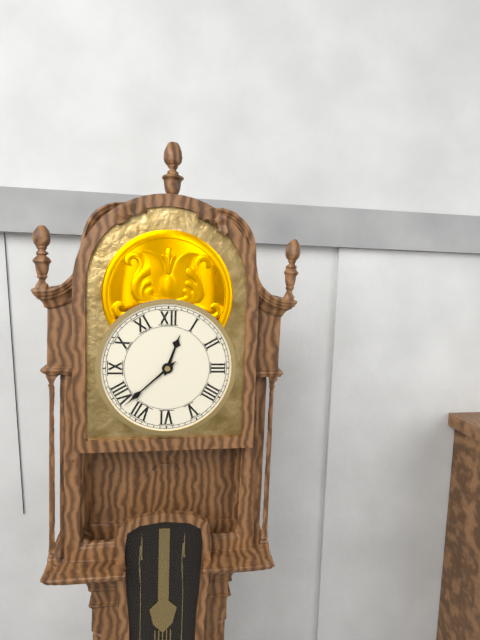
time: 12:38
